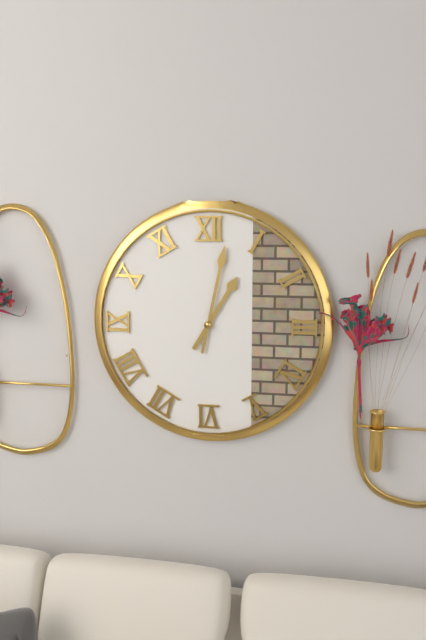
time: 1:02
